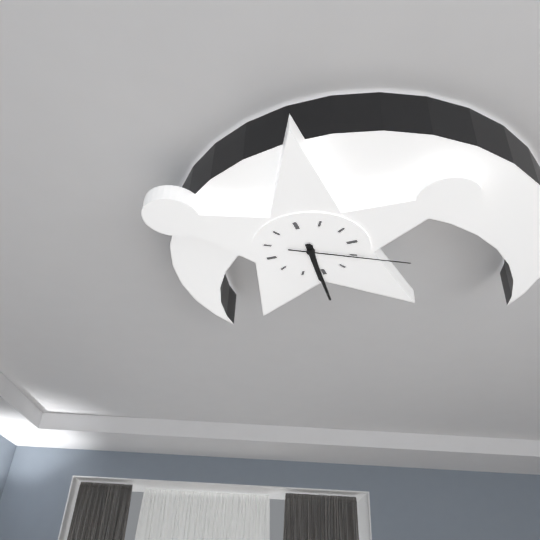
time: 3:16:05
